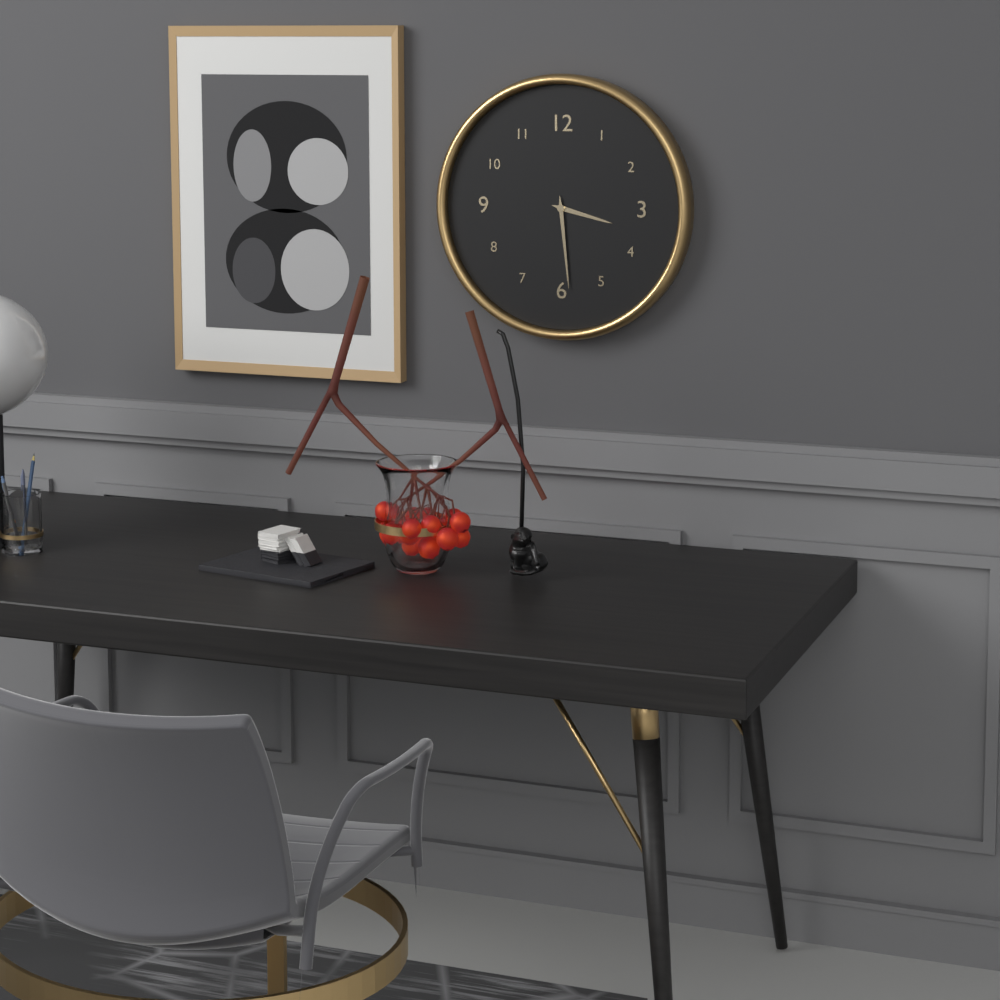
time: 3:29
